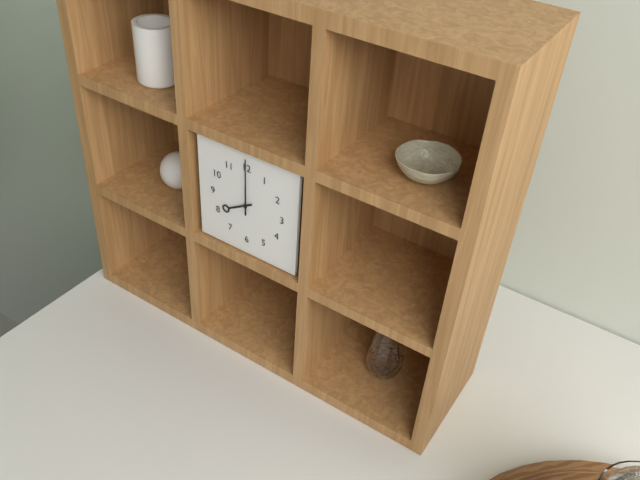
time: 8:00
